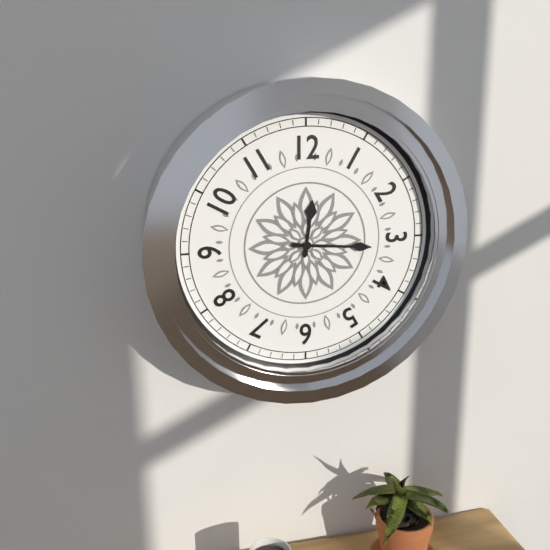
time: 12:16
